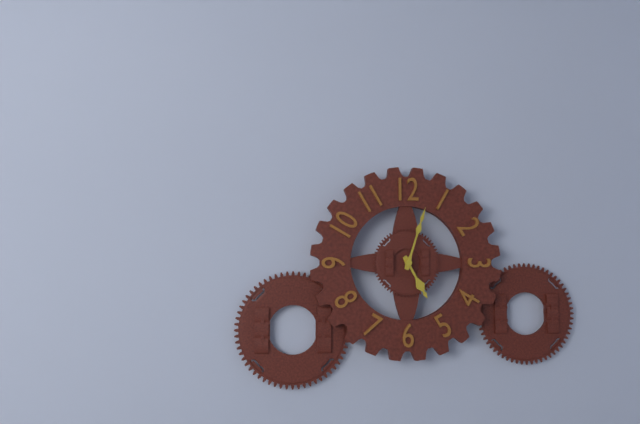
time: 5:03
